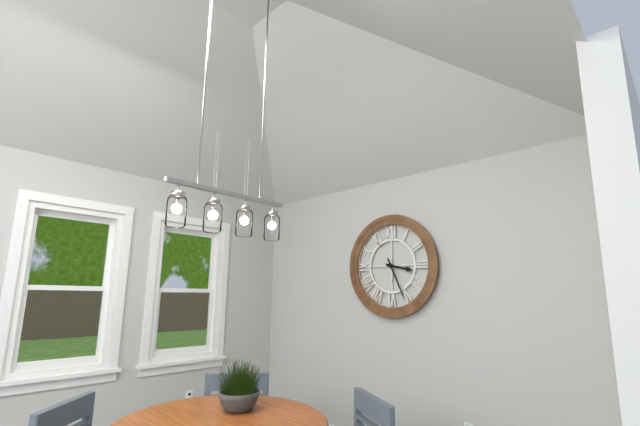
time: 3:26
